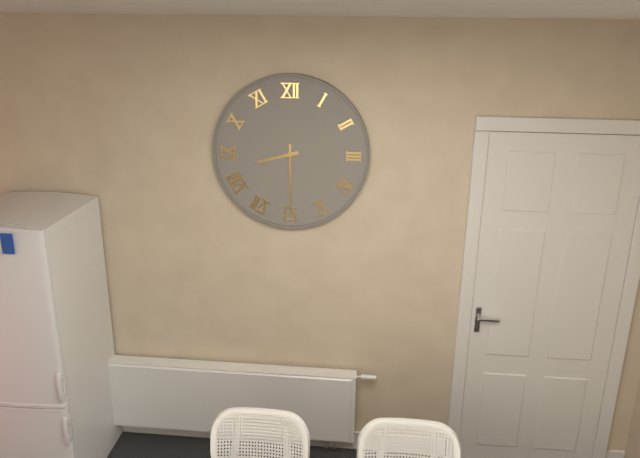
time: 8:30
